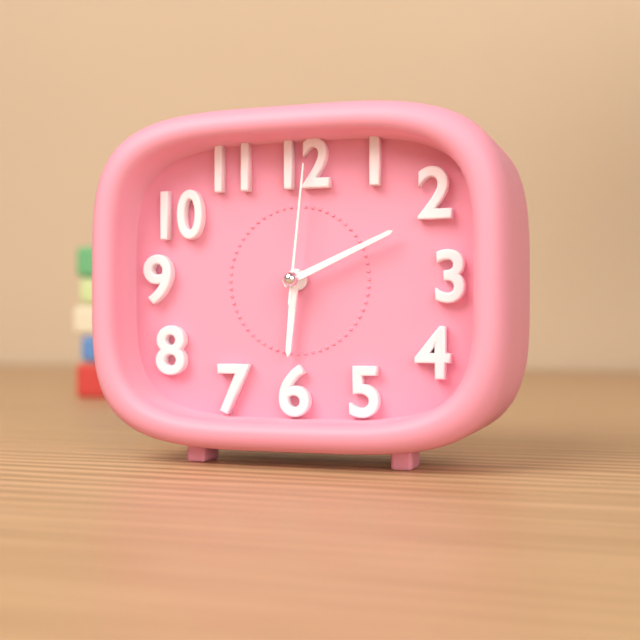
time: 6:11:01
